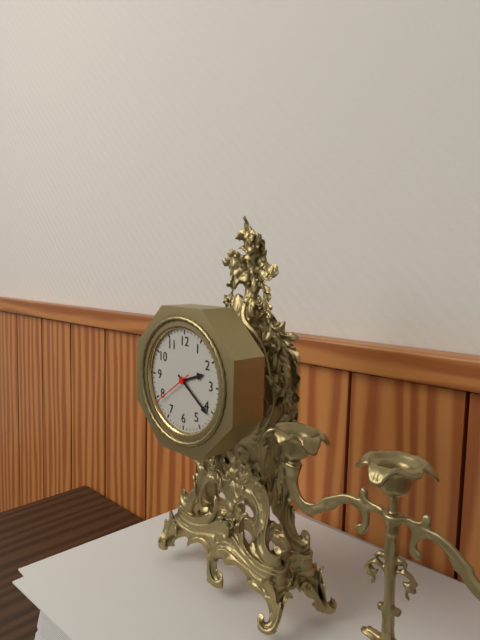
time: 2:21
